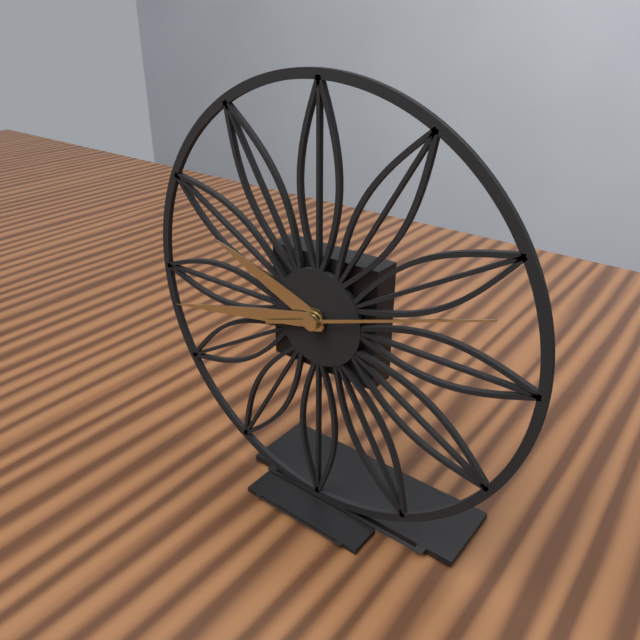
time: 9:43:12
